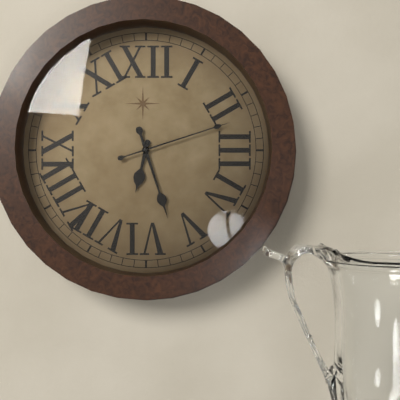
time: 6:27:12
